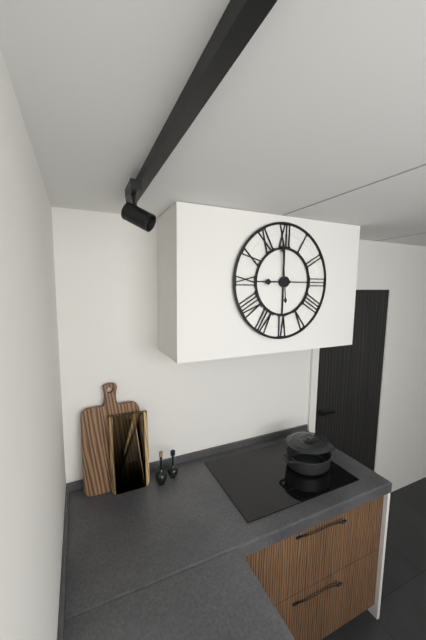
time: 8:59
